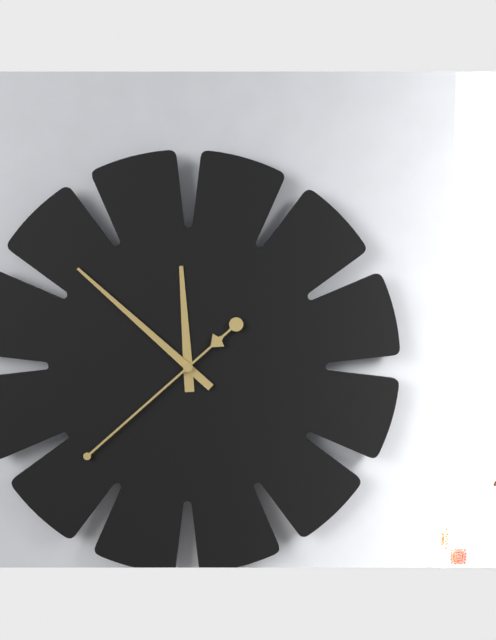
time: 11:52:38
